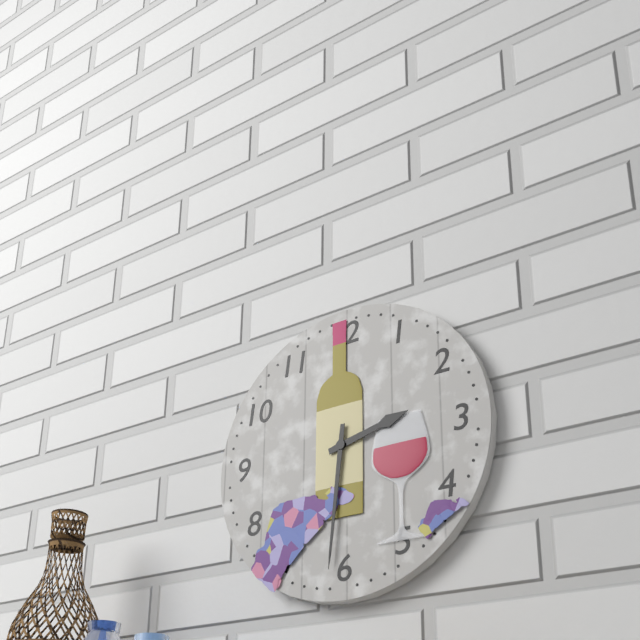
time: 2:31
